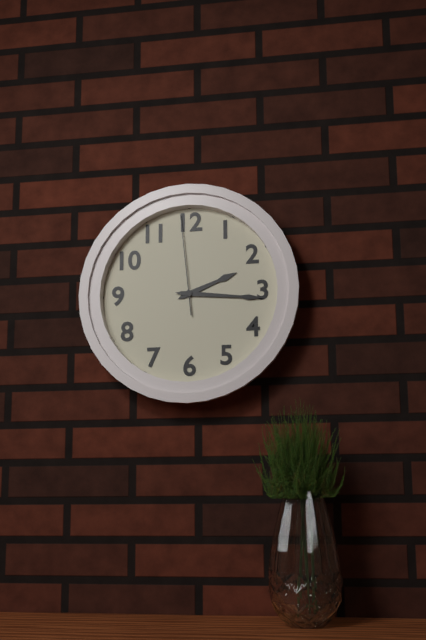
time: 2:16:59
